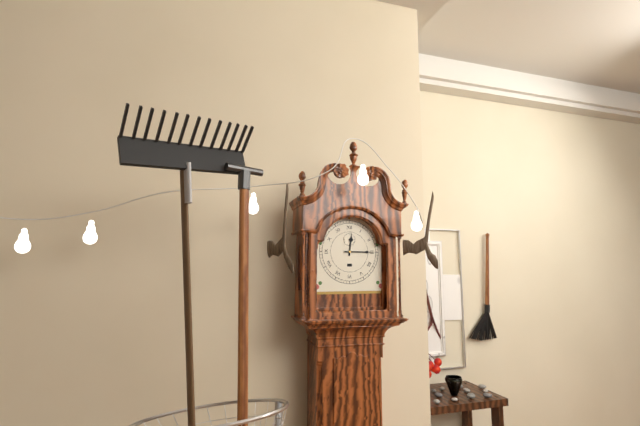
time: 12:15
